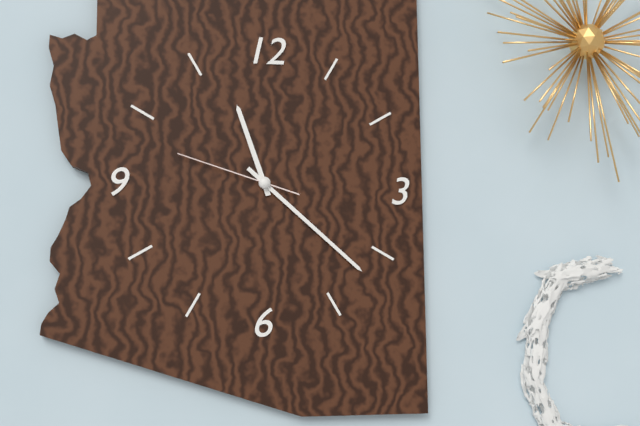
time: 11:22:48
